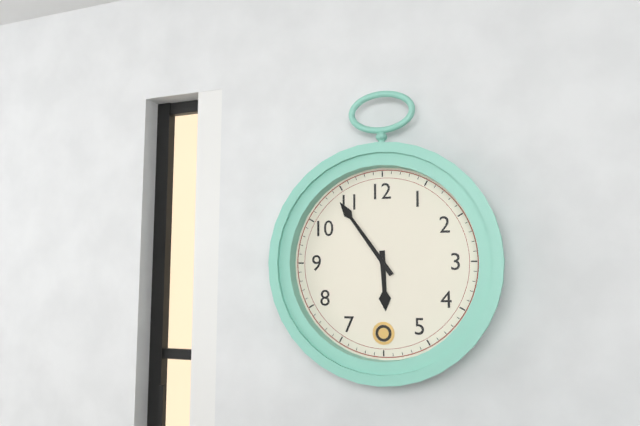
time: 5:54
